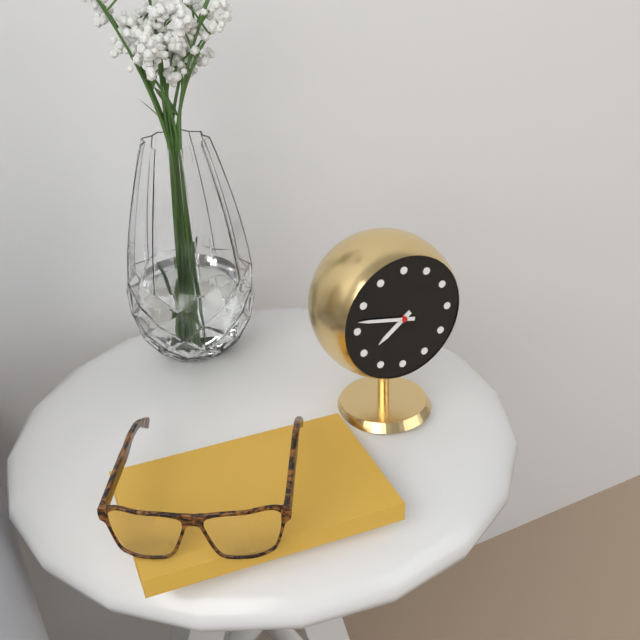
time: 7:47
